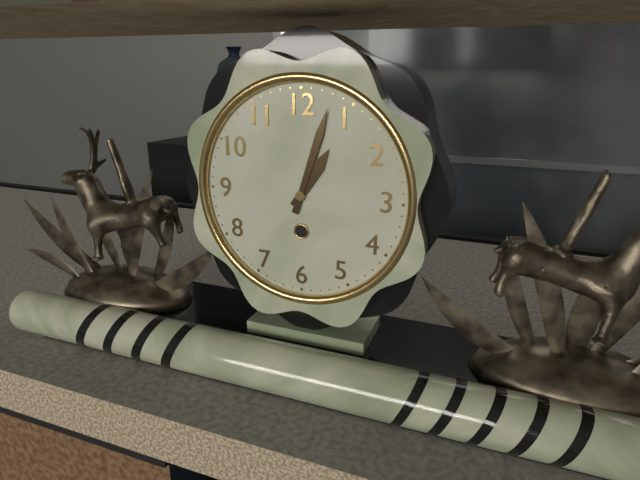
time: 1:03
